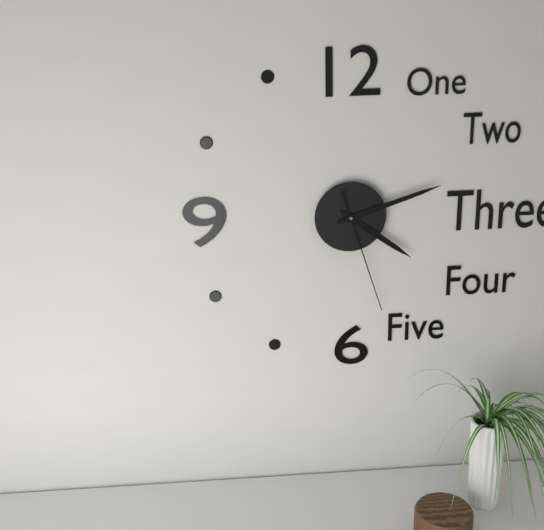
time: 4:12:27
